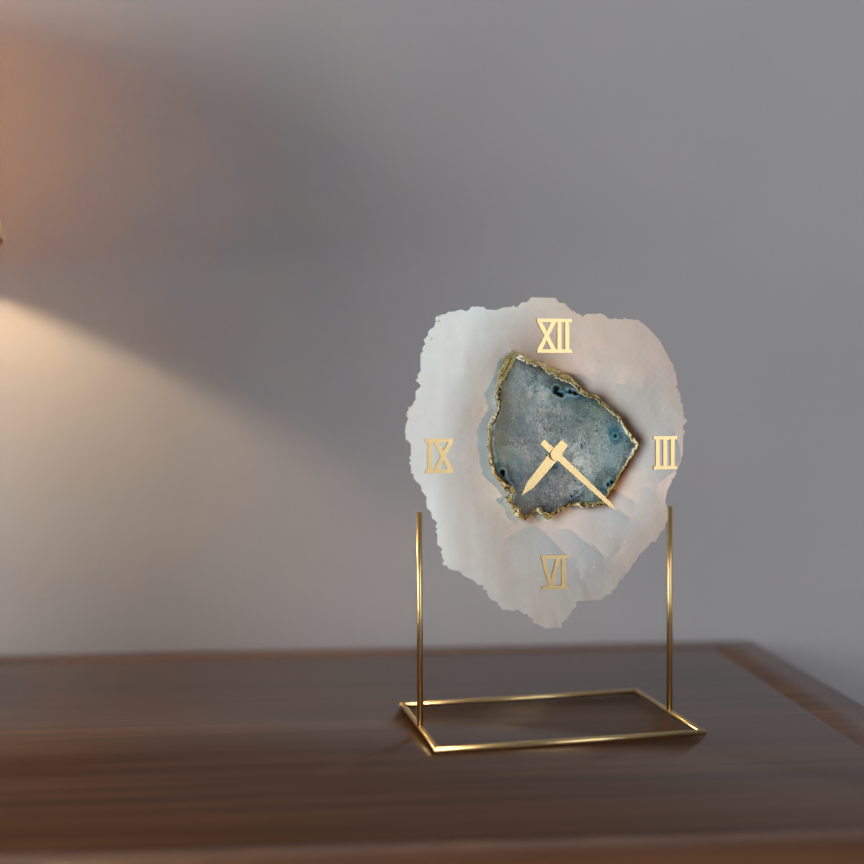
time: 7:22
